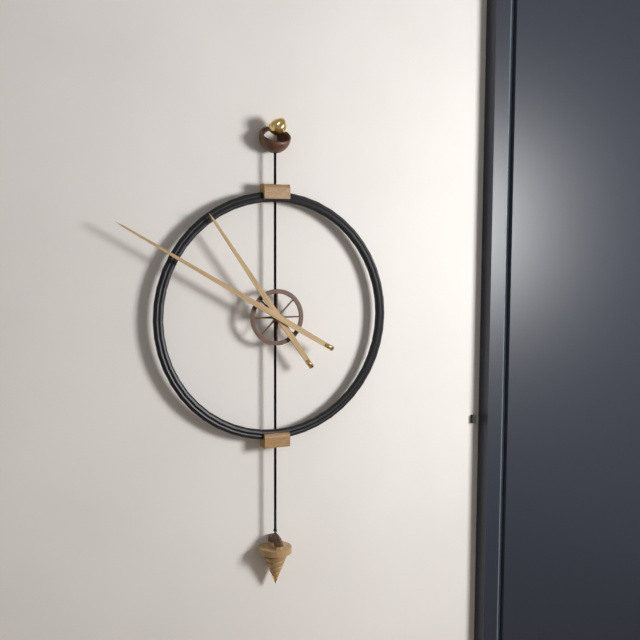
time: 10:50
